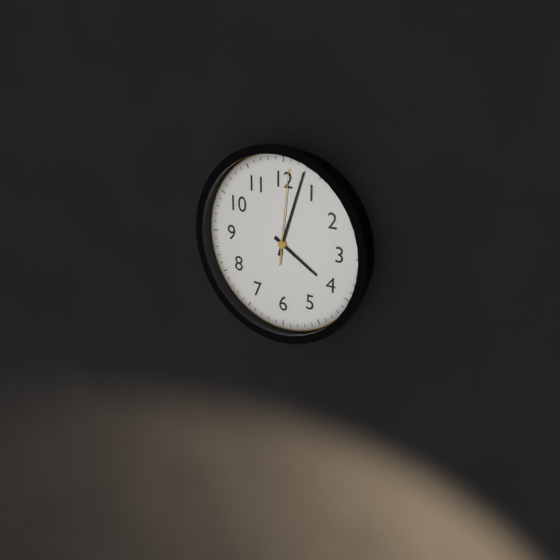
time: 4:03:01
